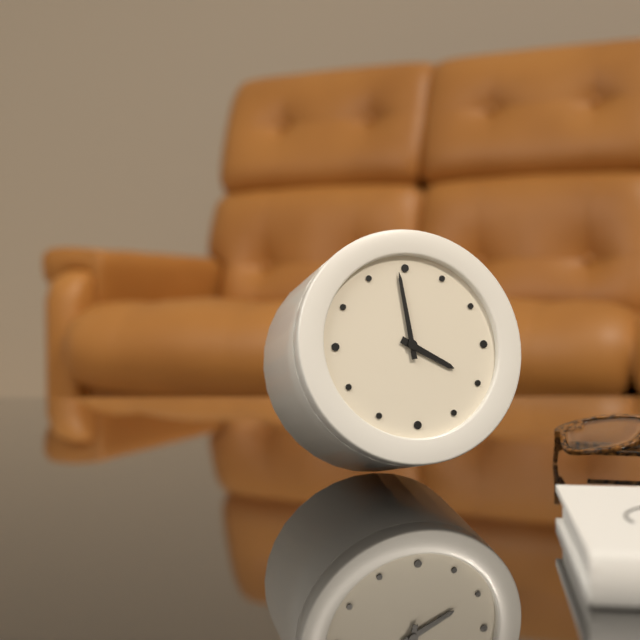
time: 3:59
